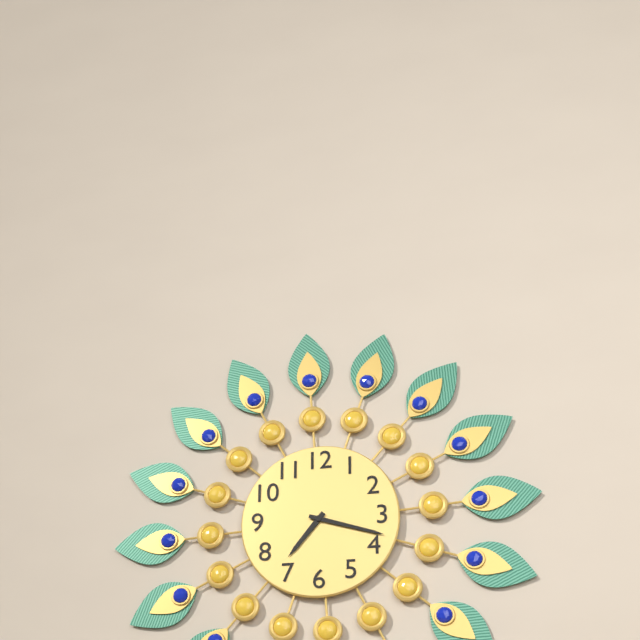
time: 7:18
